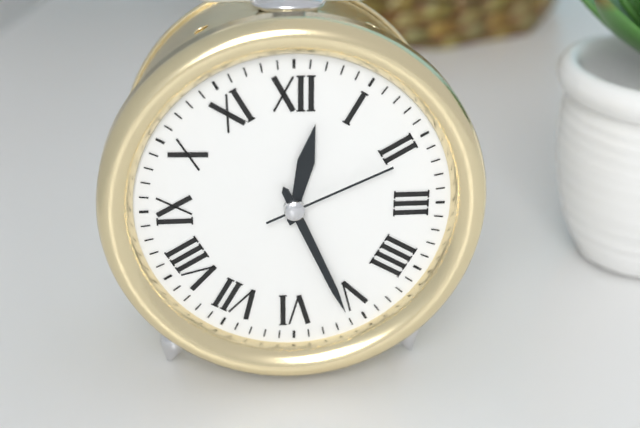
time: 12:26:11
